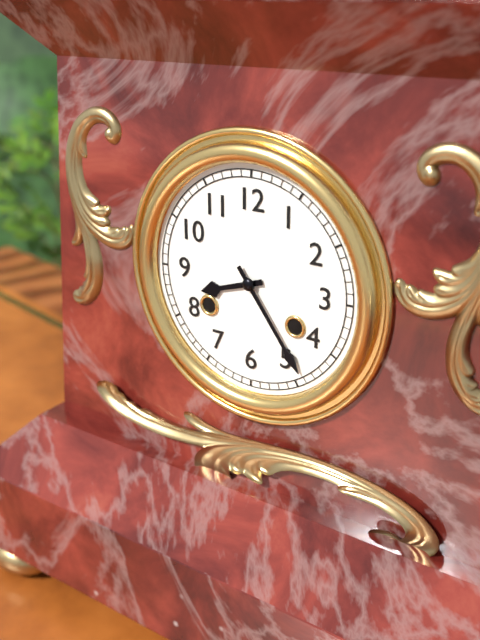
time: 8:24
